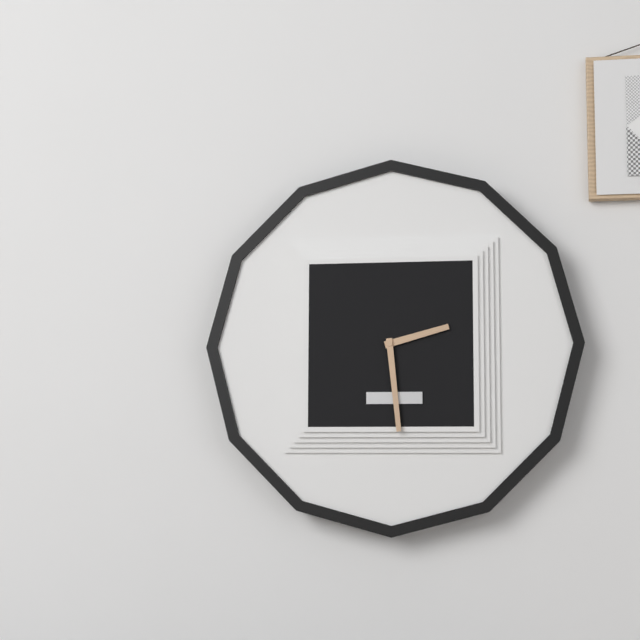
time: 2:29
